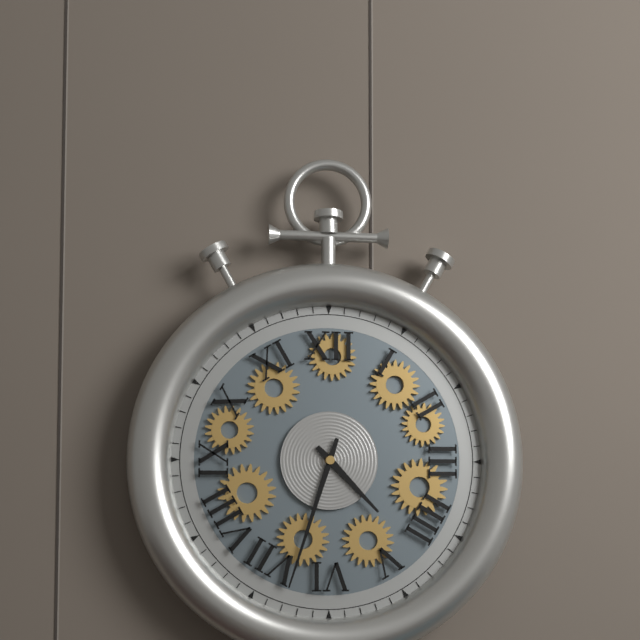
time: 4:33
